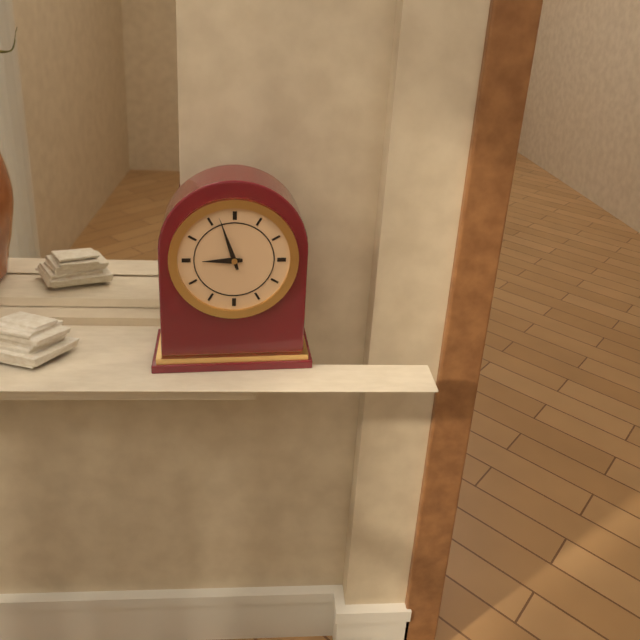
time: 8:57
